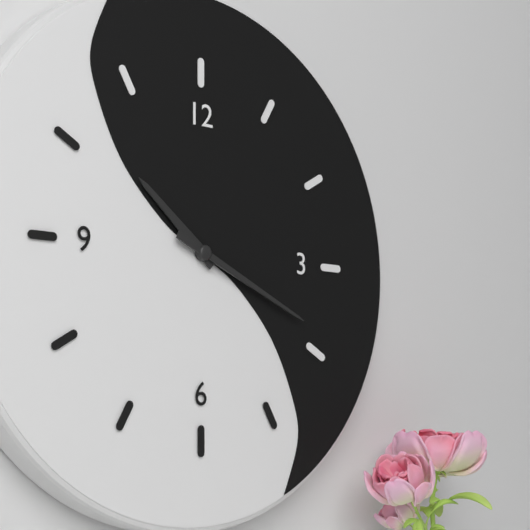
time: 10:19
